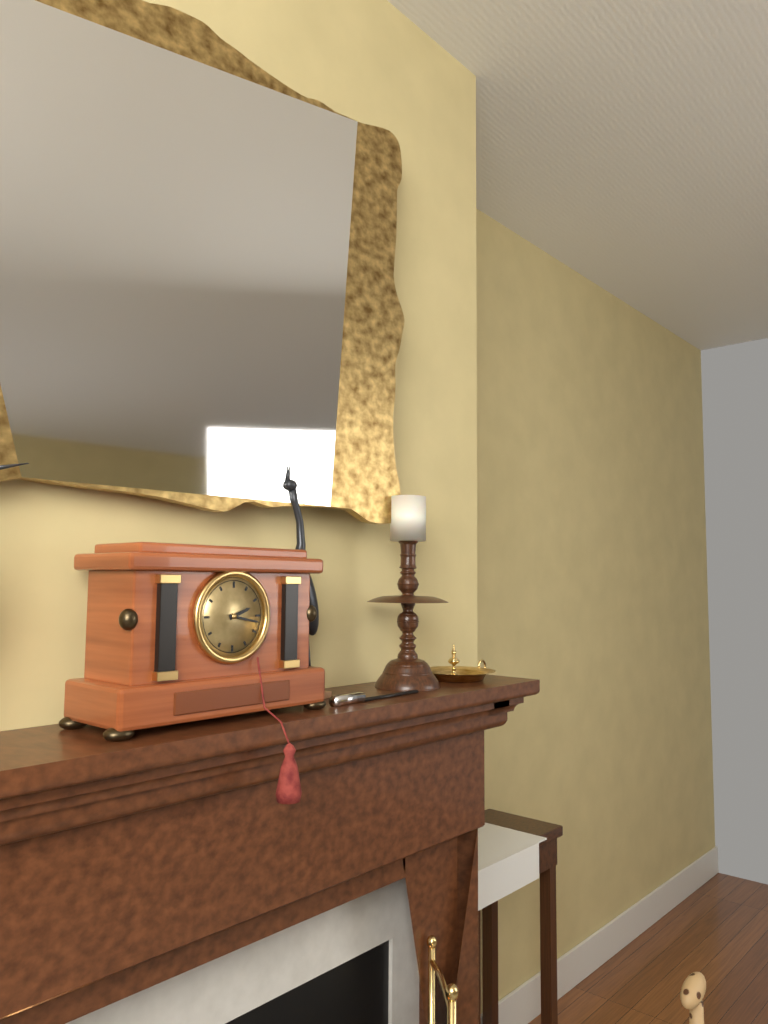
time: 2:17
